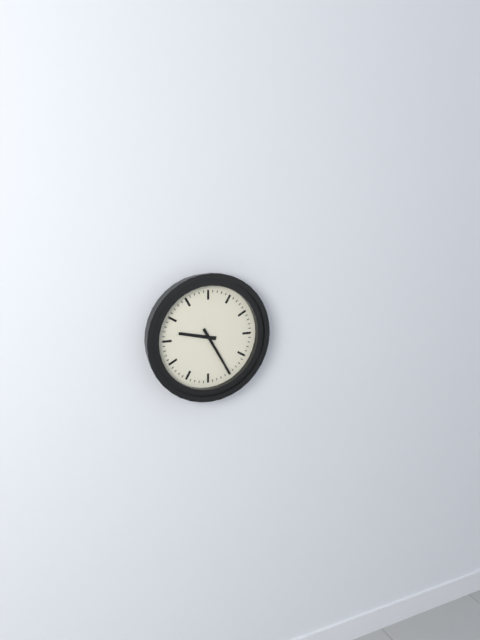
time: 9:25
